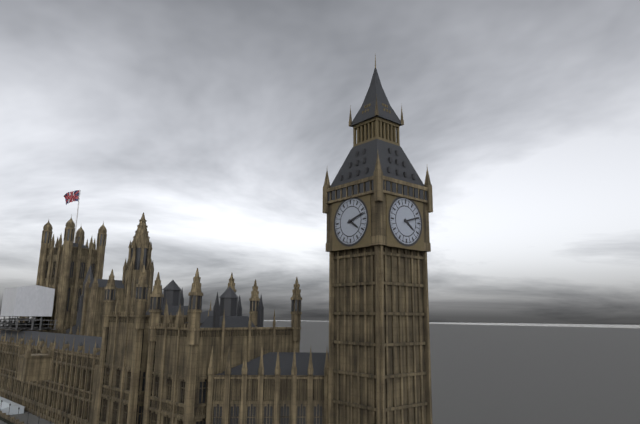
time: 4:12
